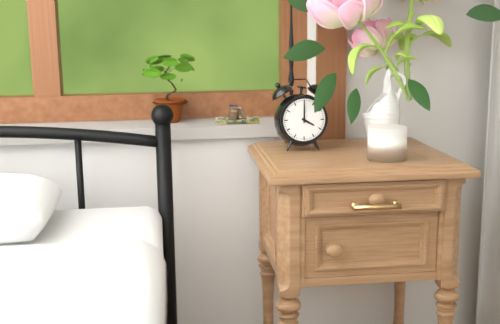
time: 4:00
